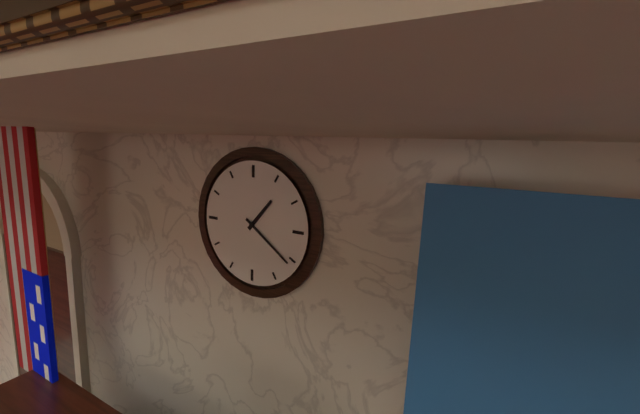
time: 1:21
